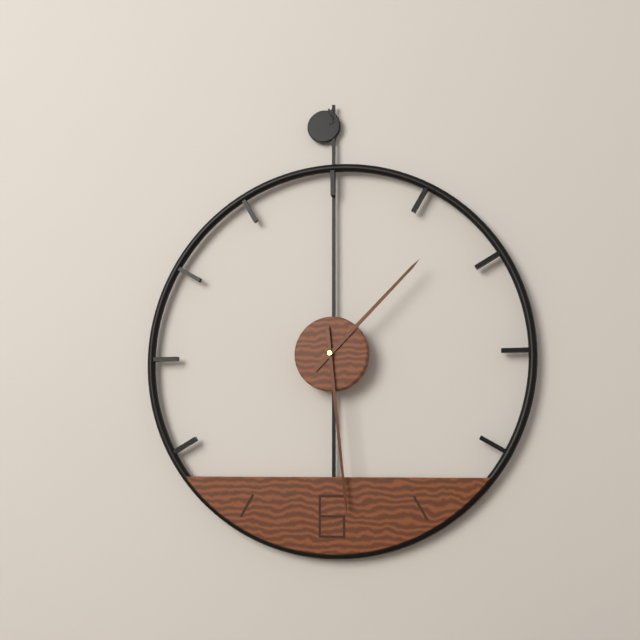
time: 1:29
